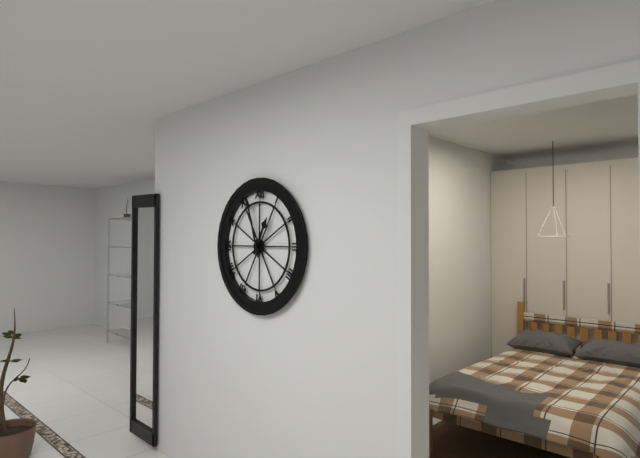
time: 12:57
